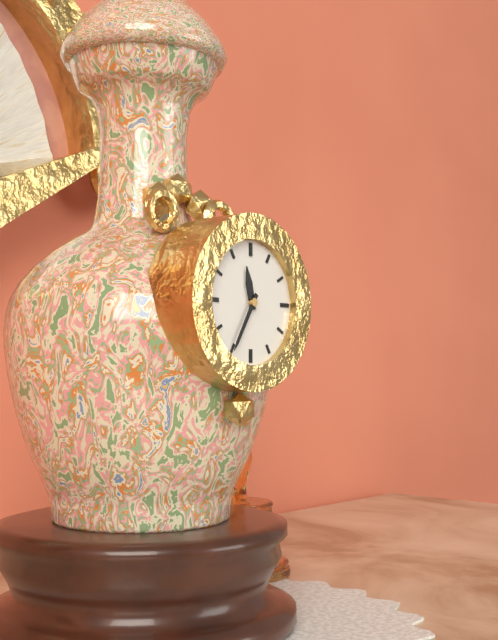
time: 11:35
